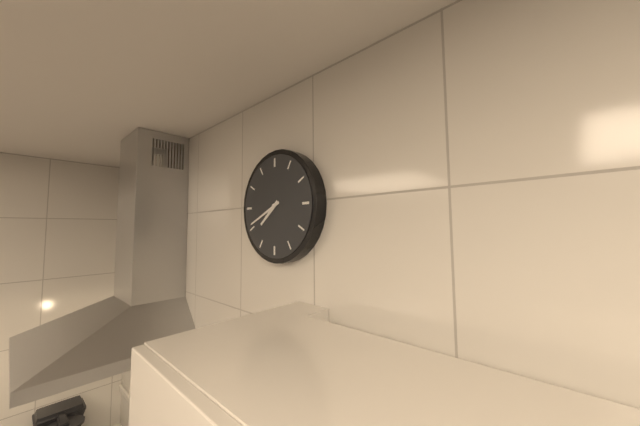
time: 7:41
